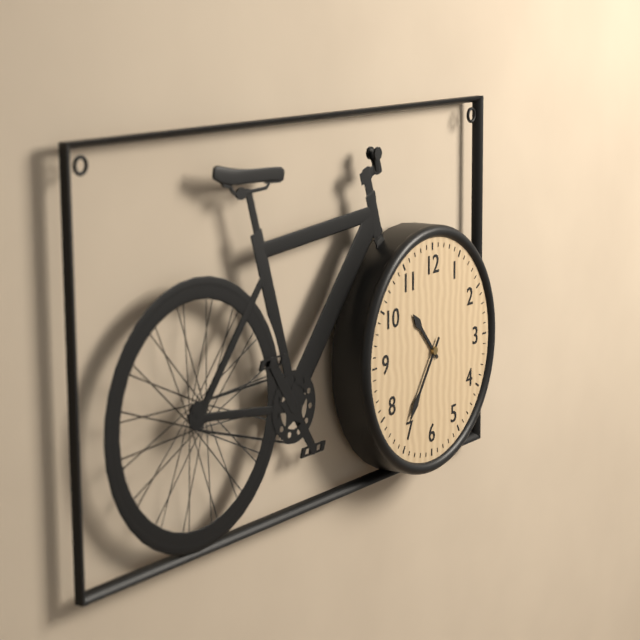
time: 10:36
